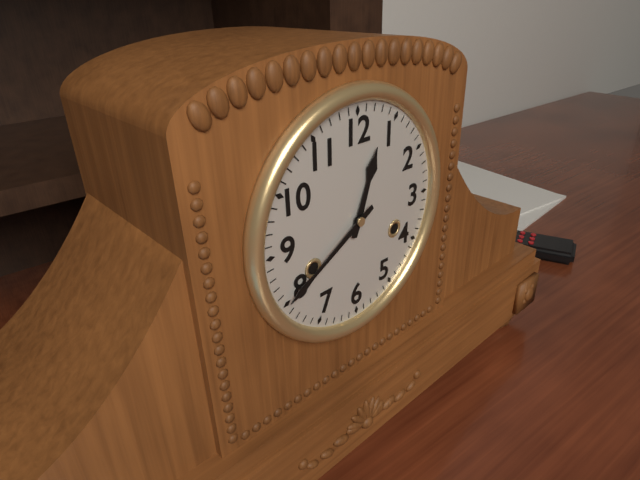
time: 12:40
